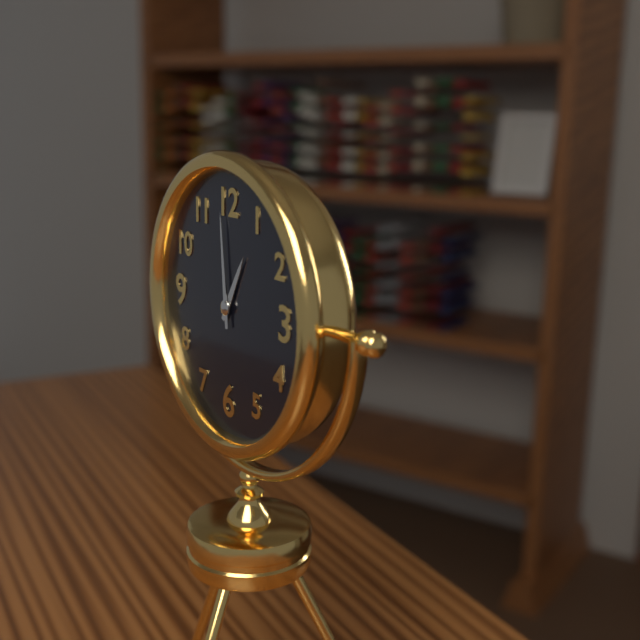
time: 12:59
